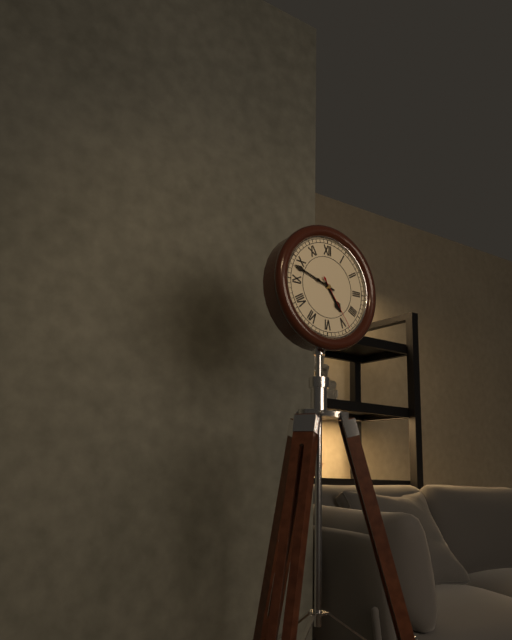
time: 4:48:24
